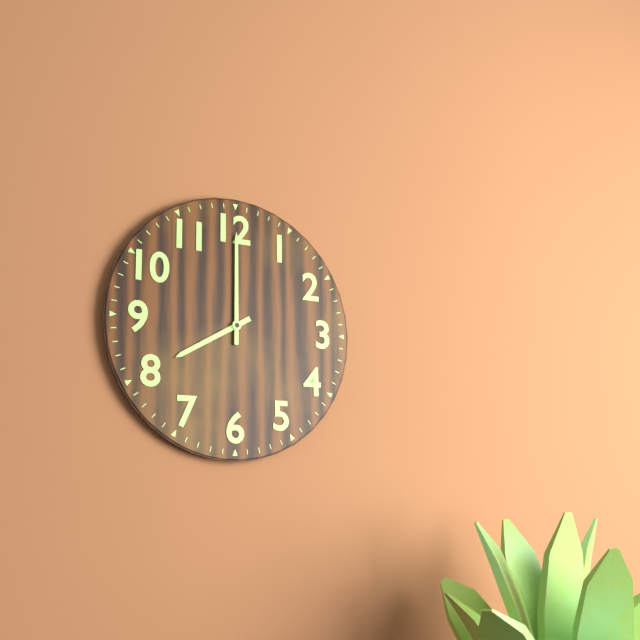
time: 8:00
